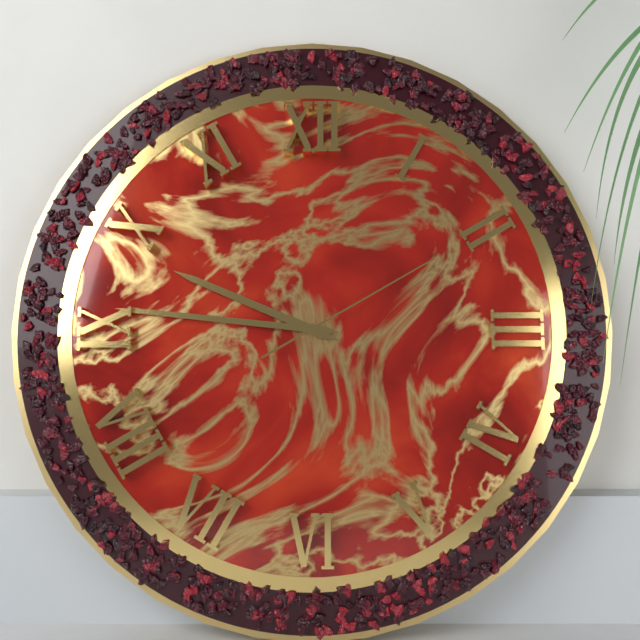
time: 9:46:10
